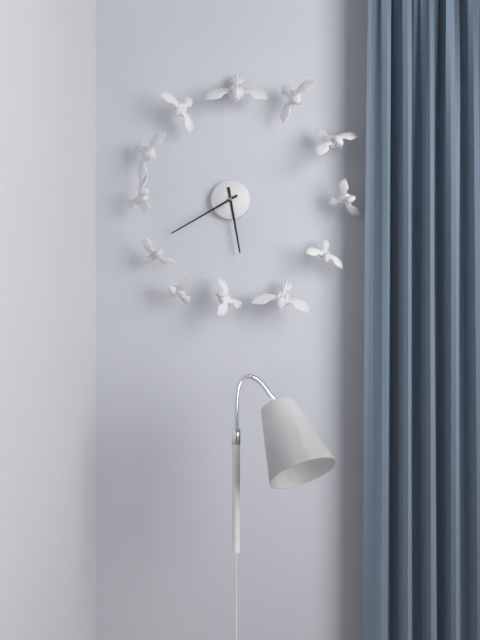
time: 5:40
